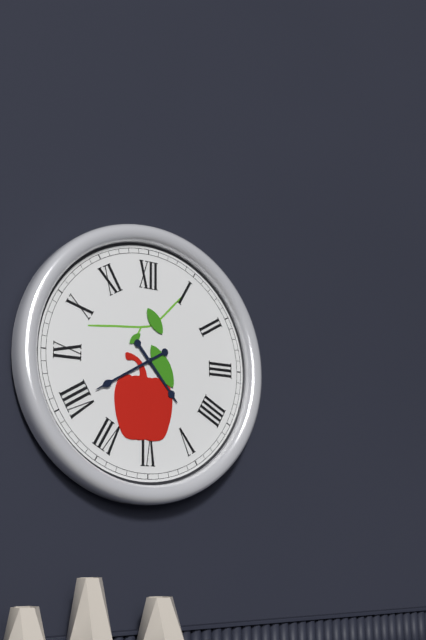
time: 4:40
